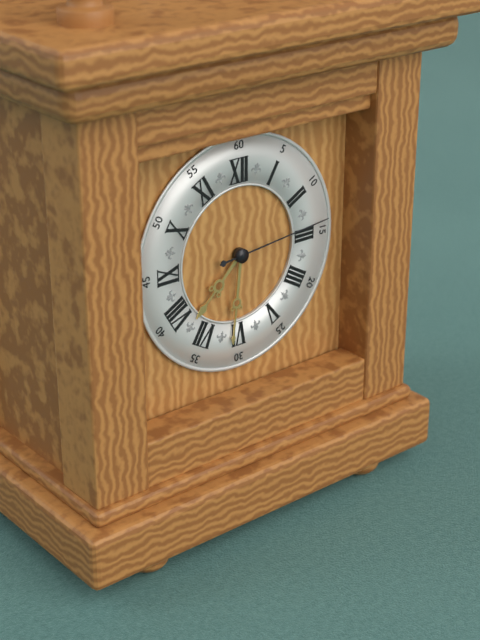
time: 7:31:14
